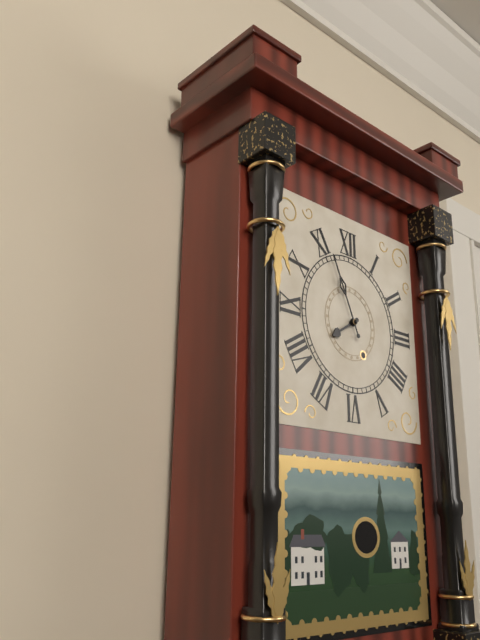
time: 7:56
